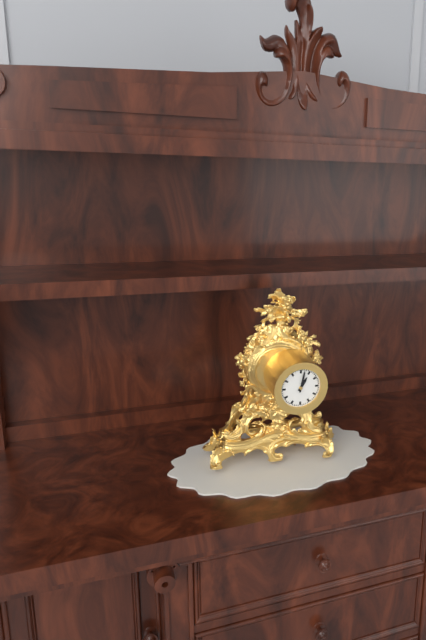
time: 1:02
